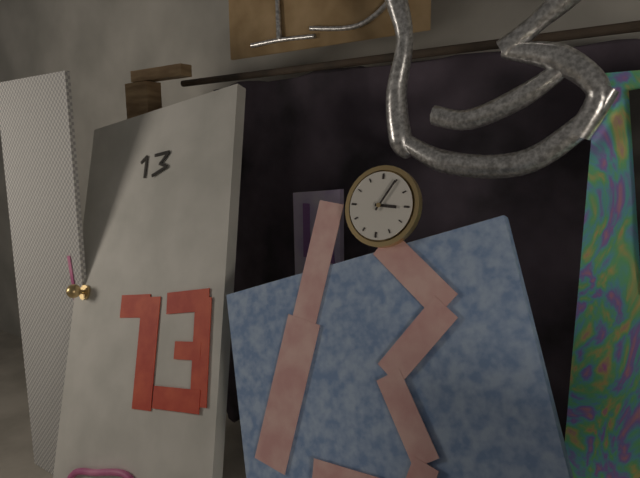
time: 3:05
